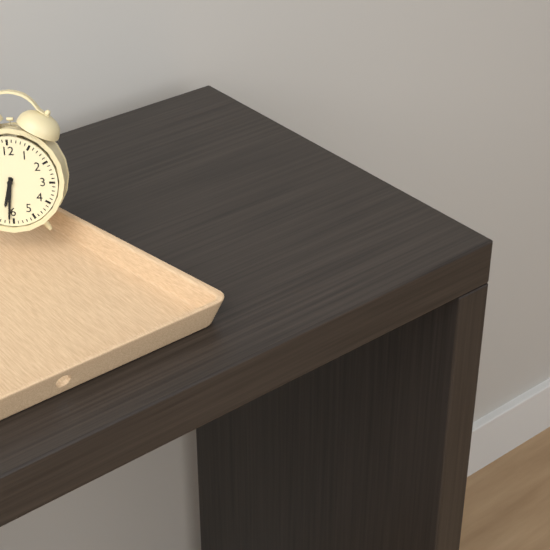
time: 6:31
